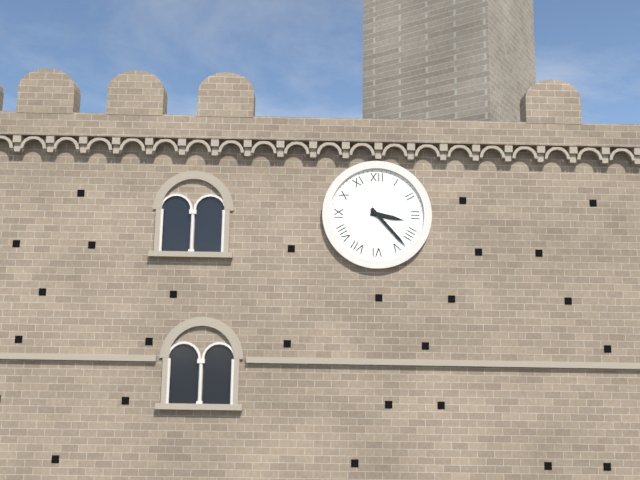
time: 3:23
